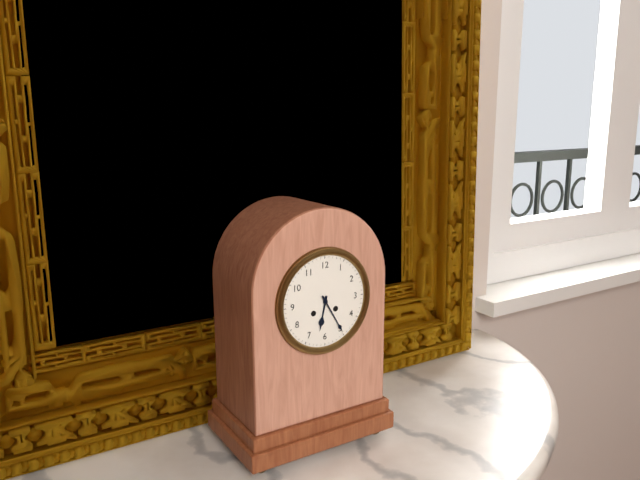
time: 6:25
